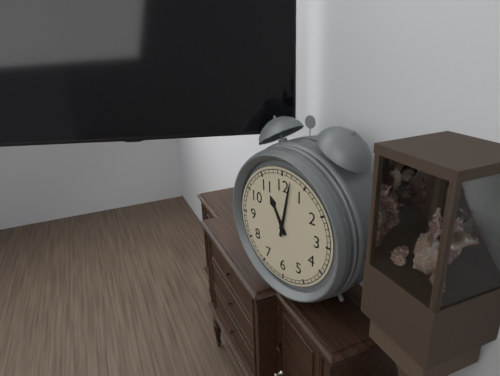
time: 11:02
